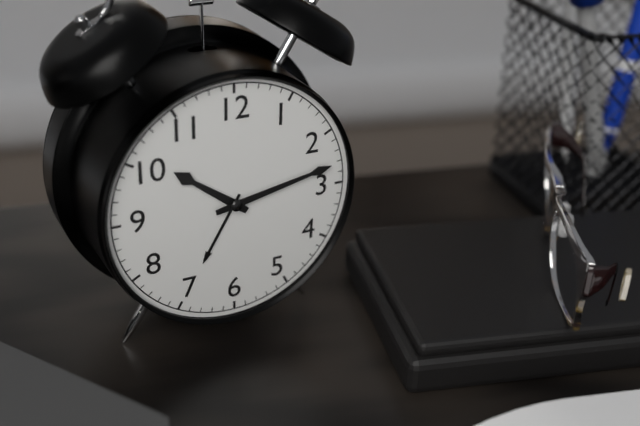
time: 10:13
